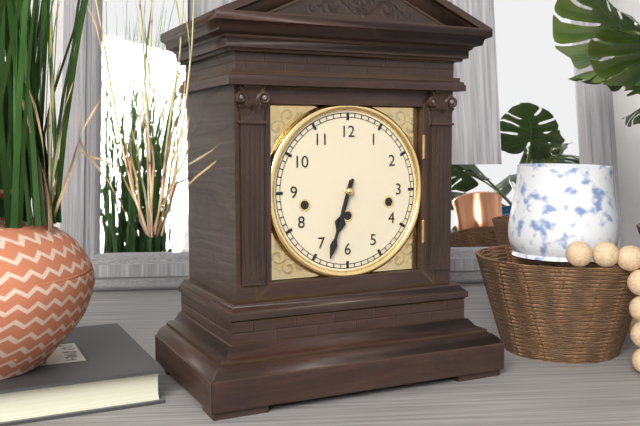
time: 6:33
